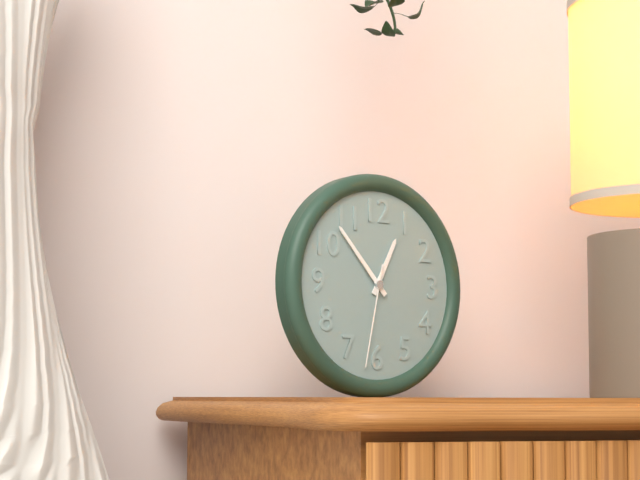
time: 12:53:32
